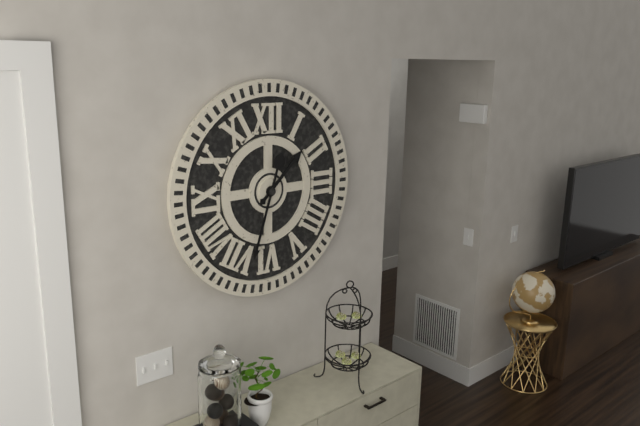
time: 1:33
